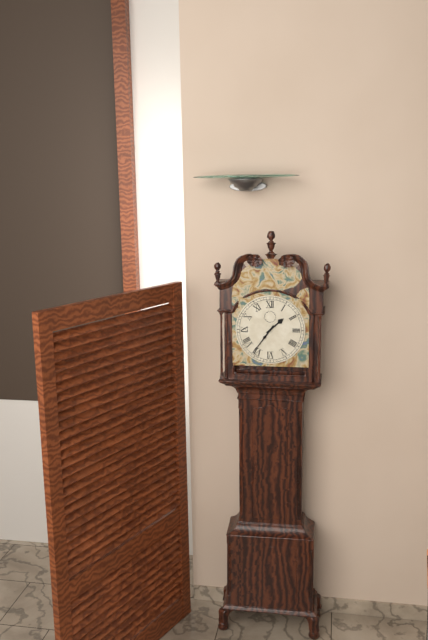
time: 1:36
